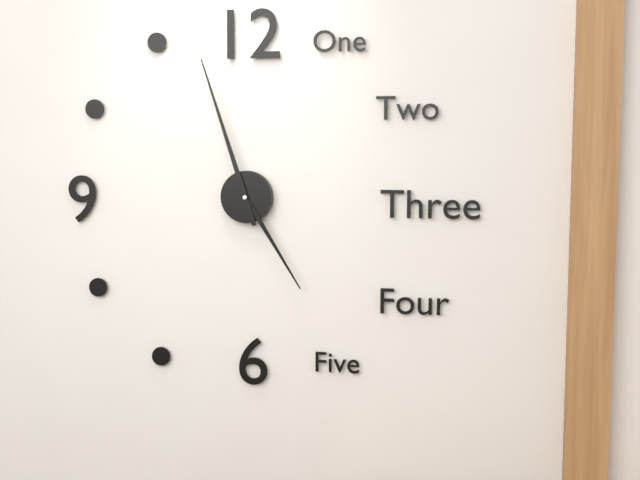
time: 4:57
